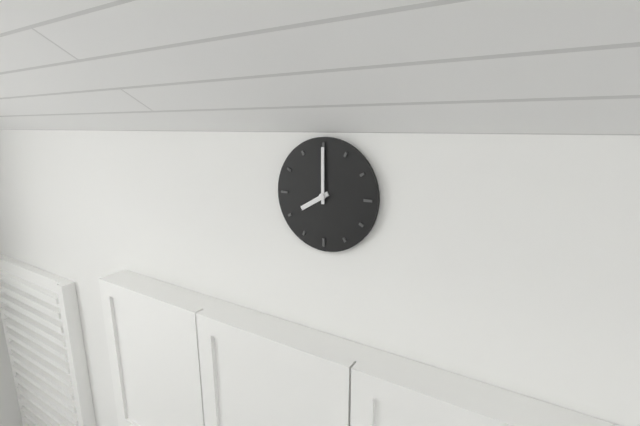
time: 8:00
